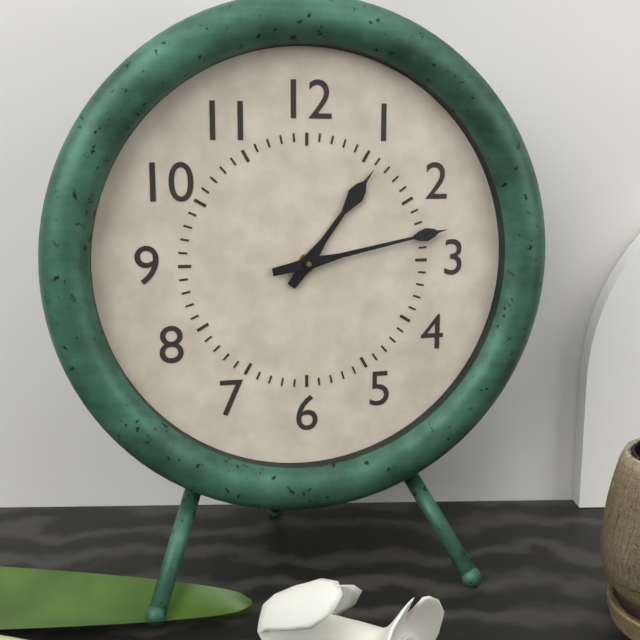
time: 1:13
